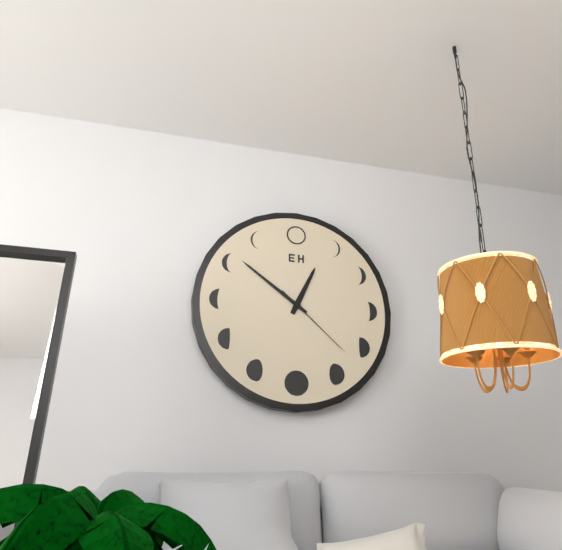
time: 12:51:22
